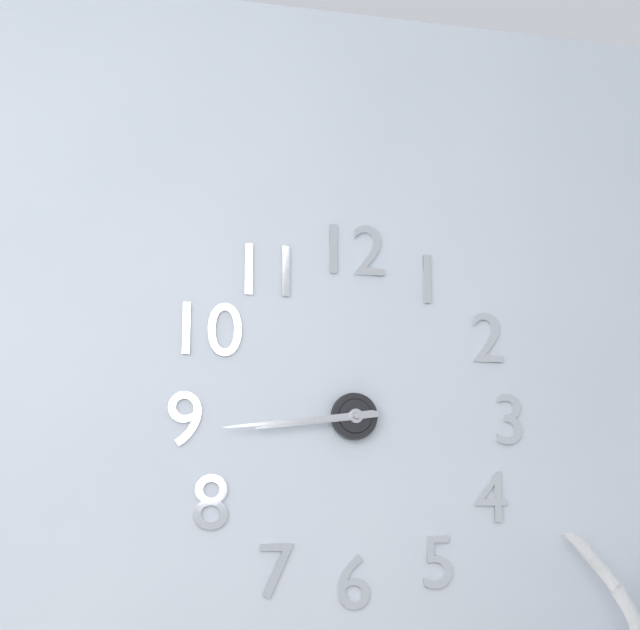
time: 8:44
